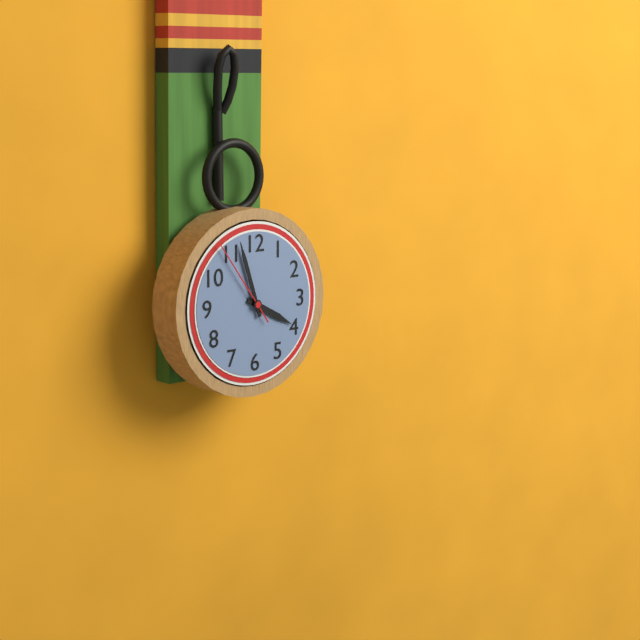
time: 3:57:54
